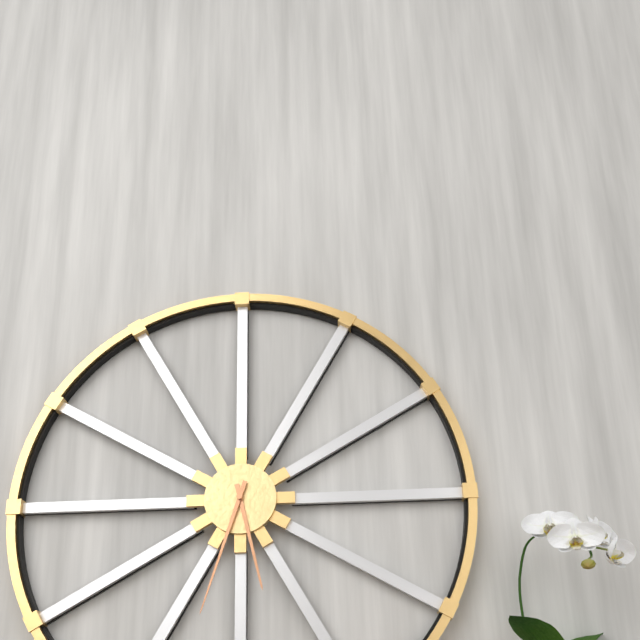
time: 5:33
